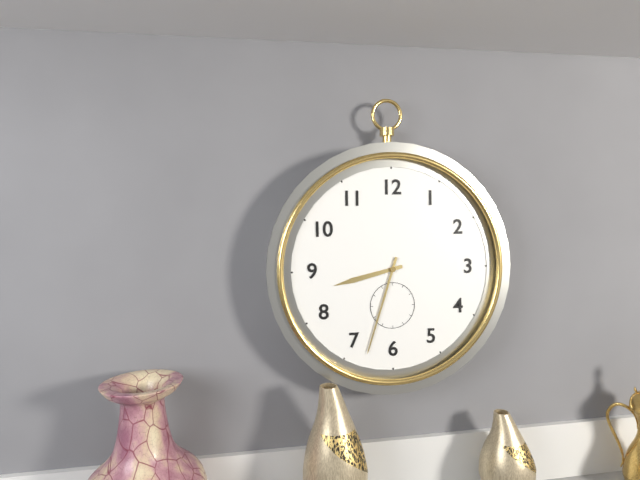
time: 8:33
